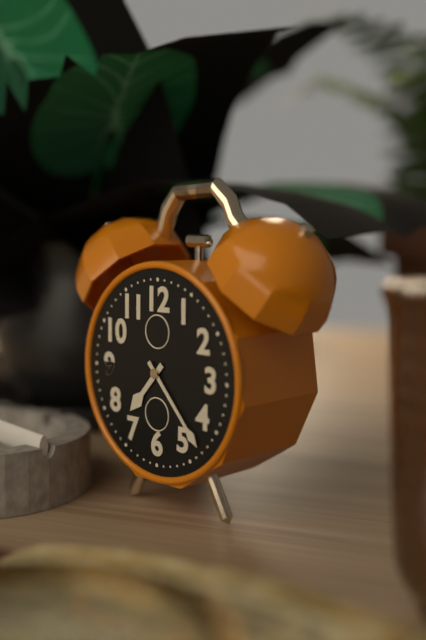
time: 7:23
